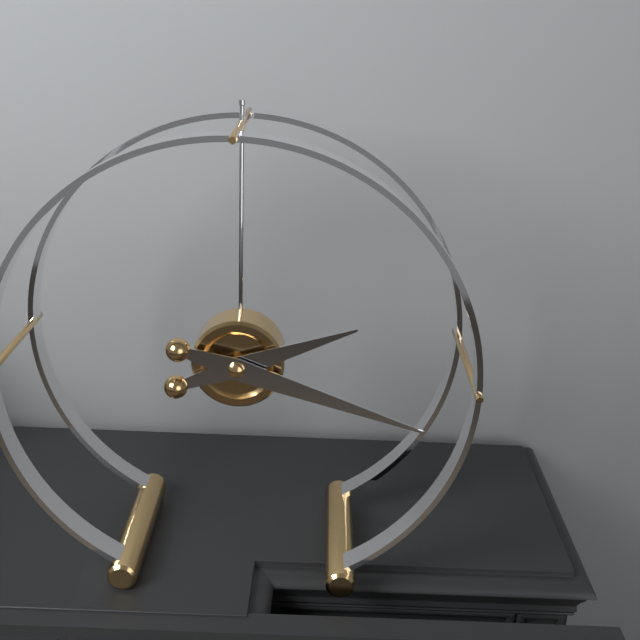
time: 2:18
